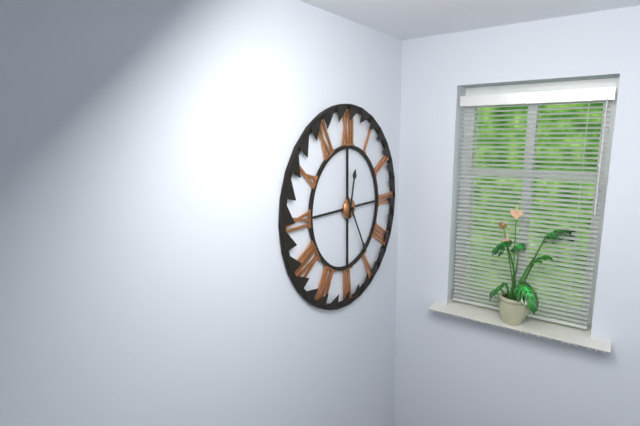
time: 12:25
